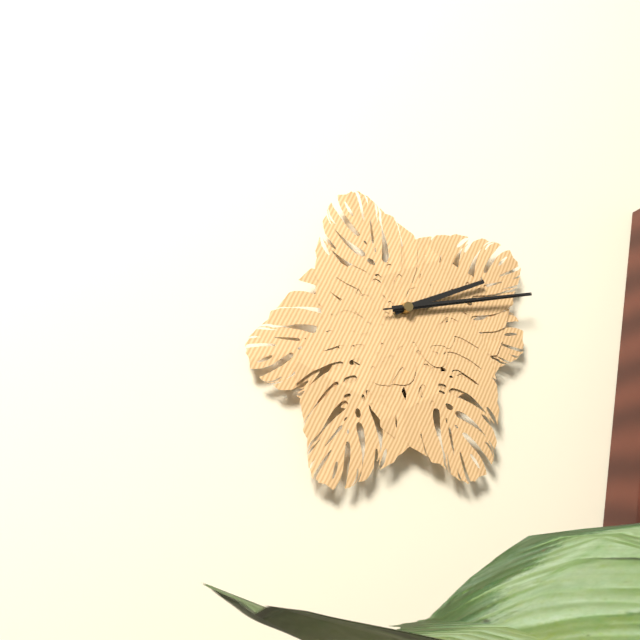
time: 2:13:13
